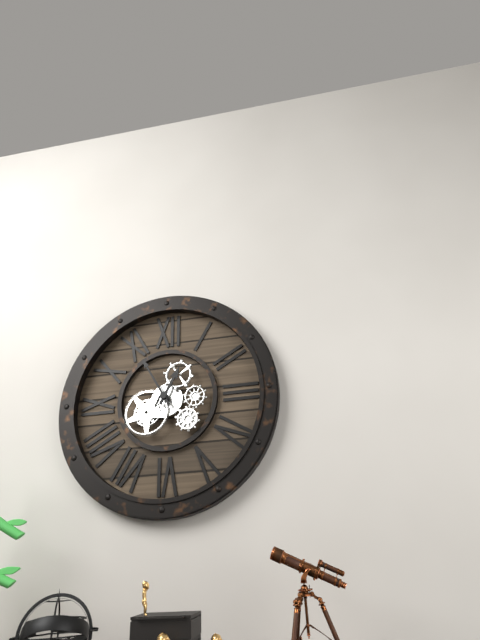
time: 12:55
